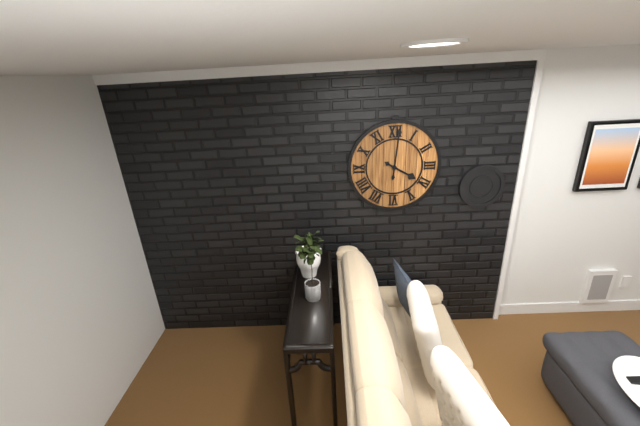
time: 4:01
